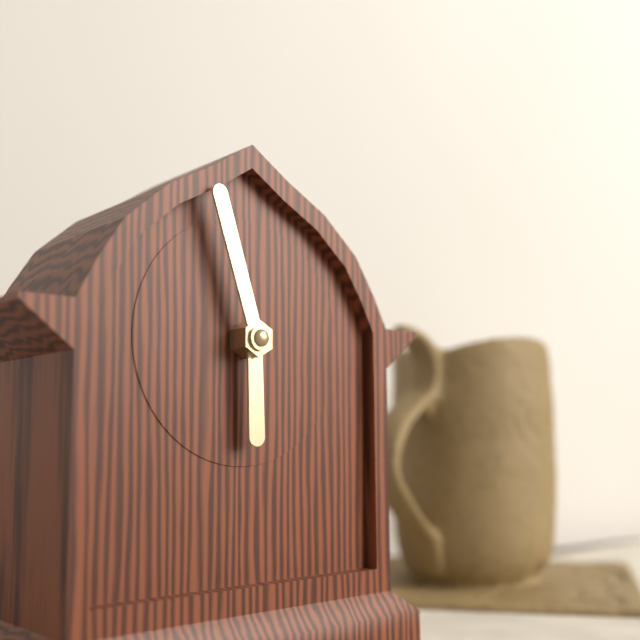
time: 5:57
